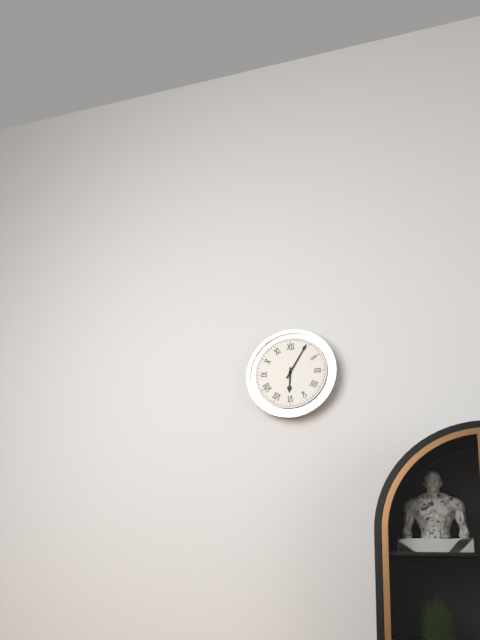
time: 6:05
